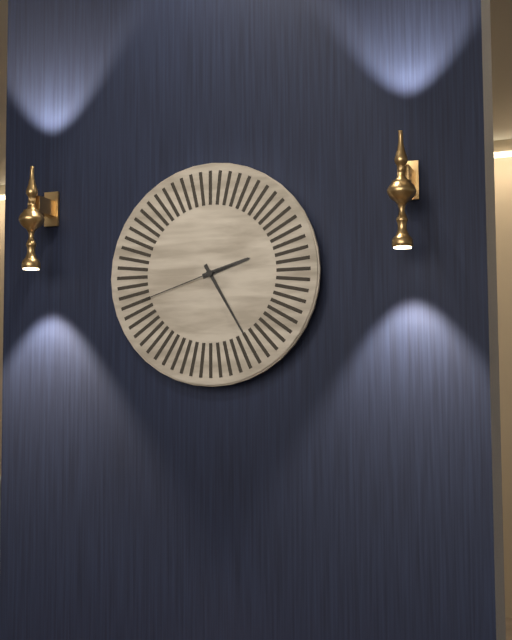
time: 2:25:42
